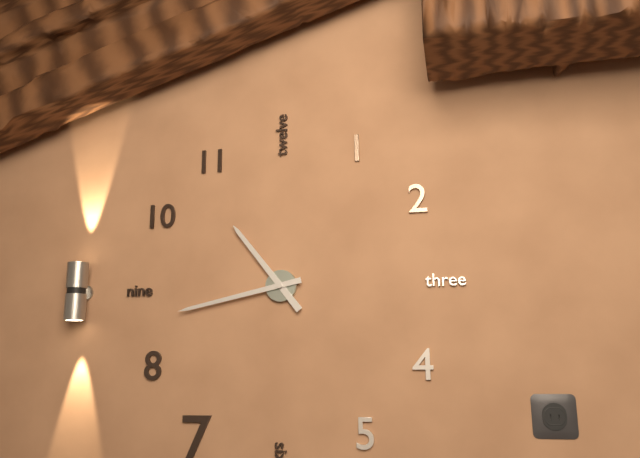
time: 10:43
